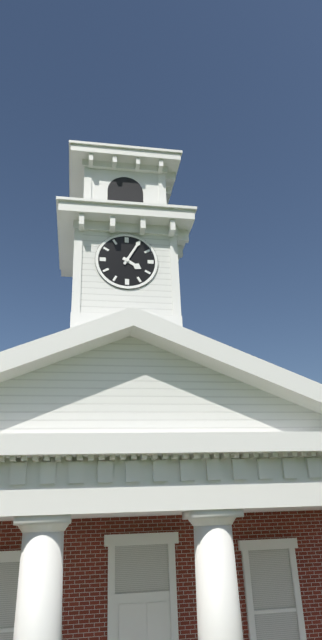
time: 4:05
